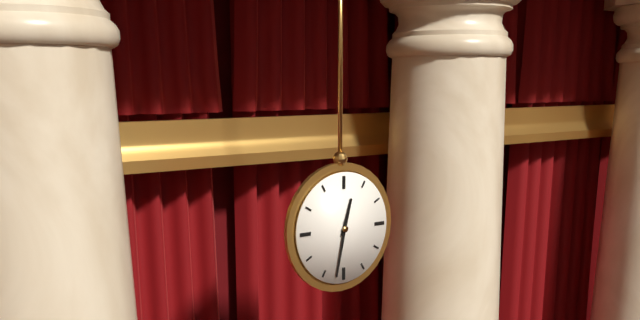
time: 12:32
